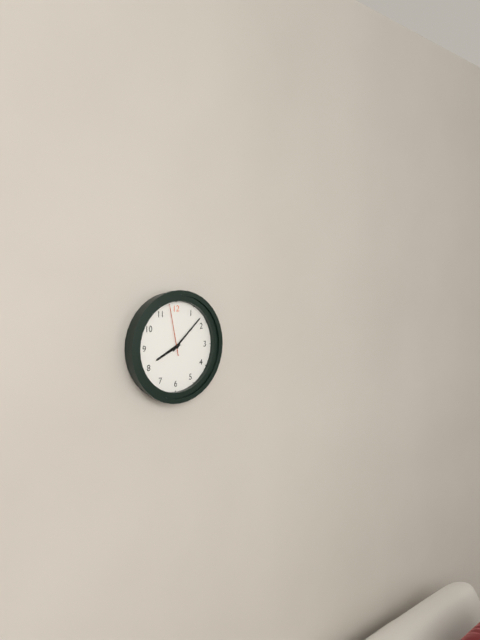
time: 8:08:58
